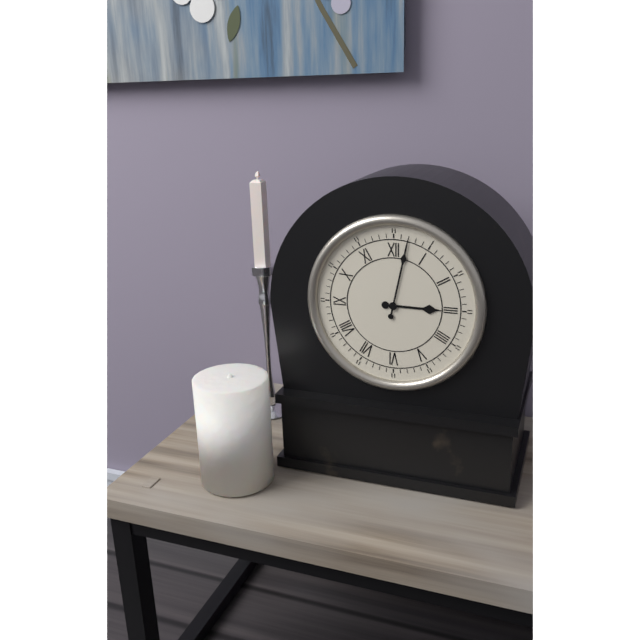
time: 3:02
